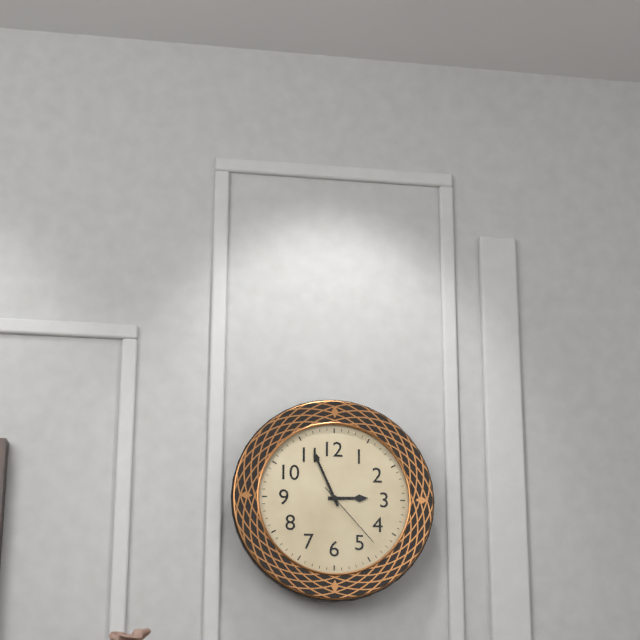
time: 2:56:23
